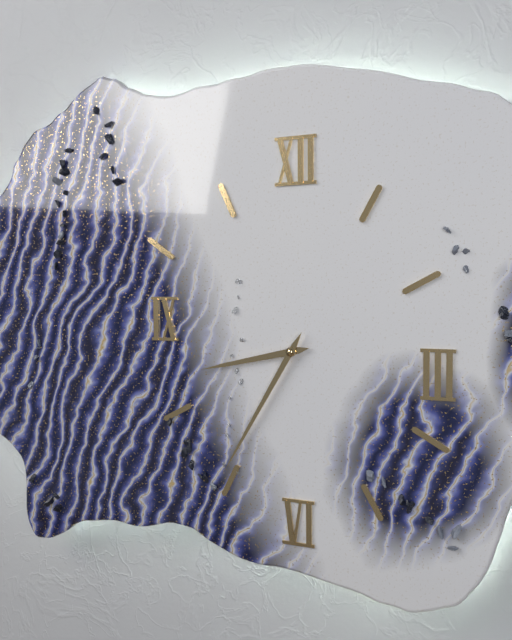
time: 8:35
